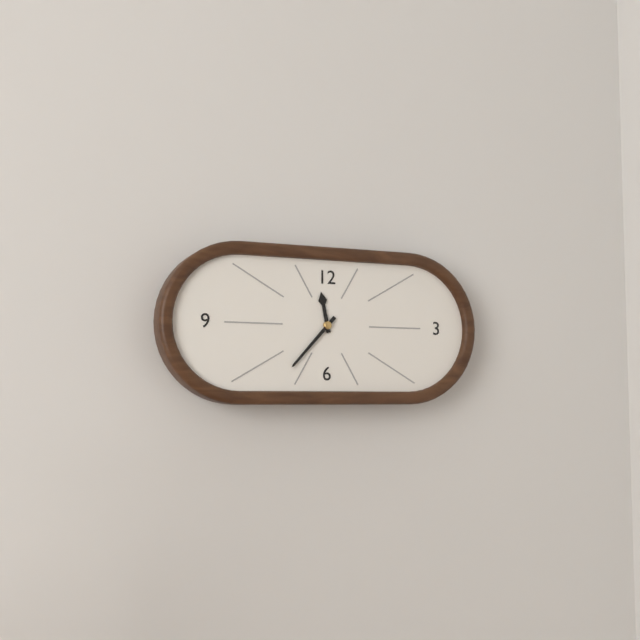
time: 11:37
